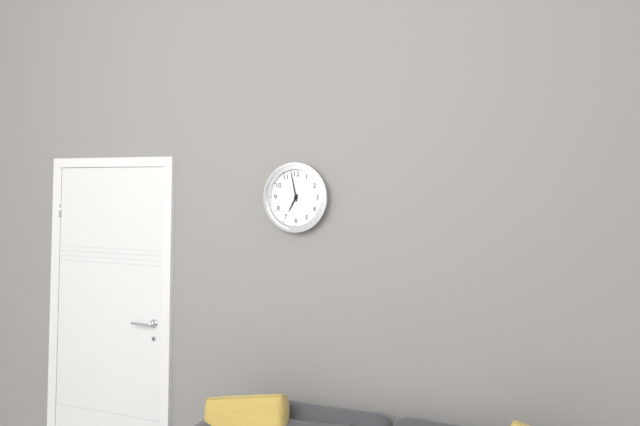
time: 6:58
